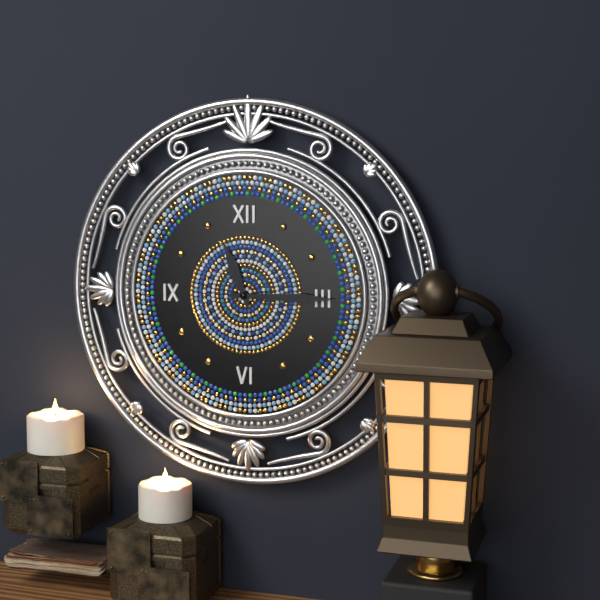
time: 11:15
